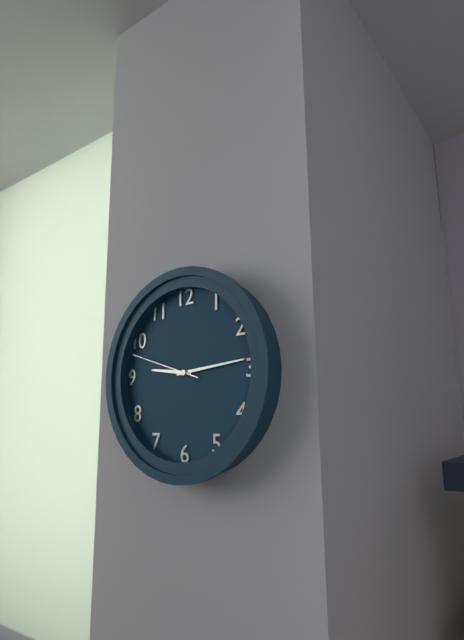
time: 9:14:48
